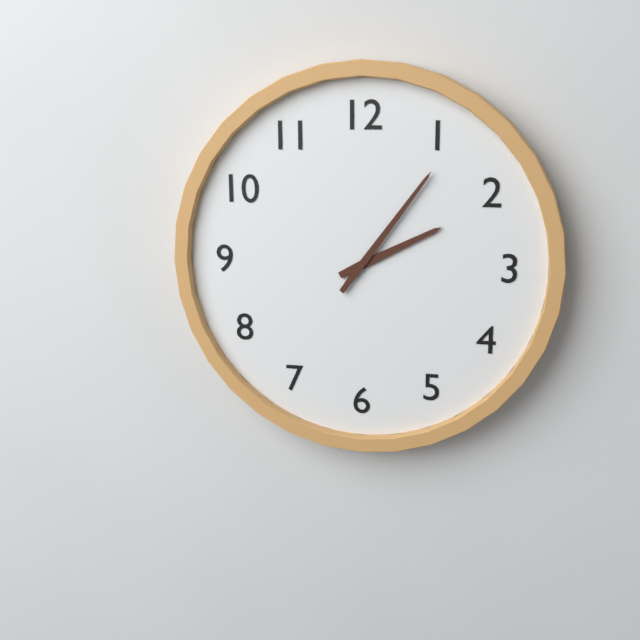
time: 2:06
